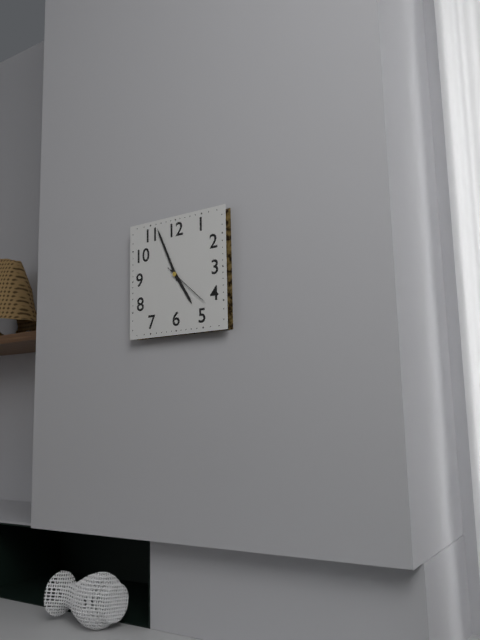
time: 4:56:22
